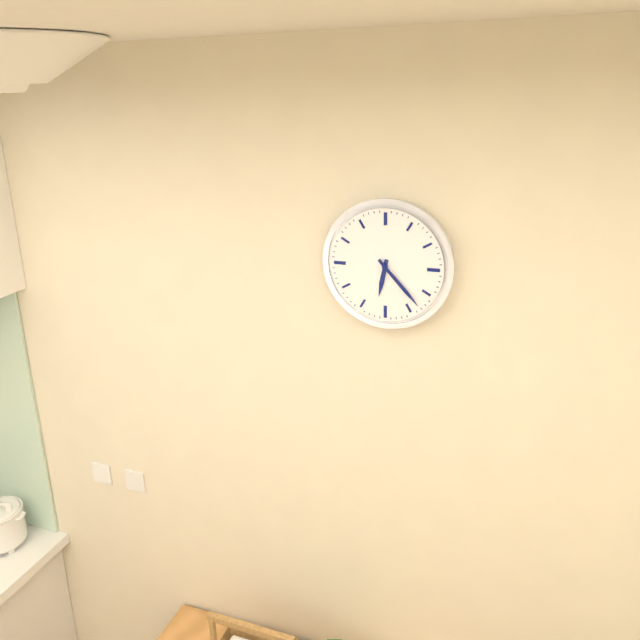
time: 6:23
